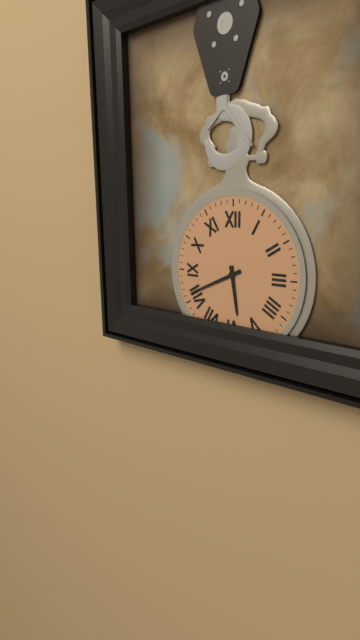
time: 5:41
